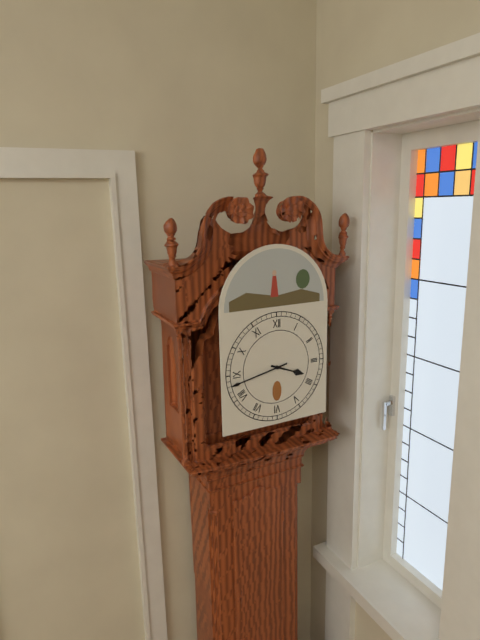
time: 3:43
